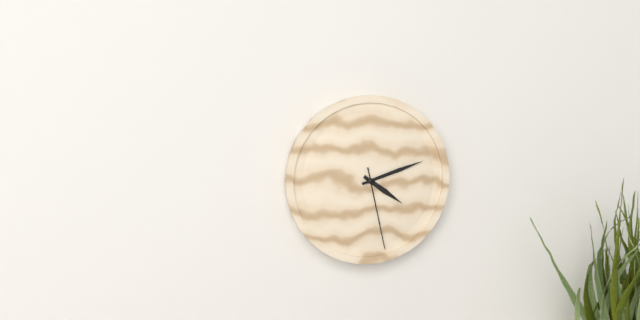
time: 4:12:28
